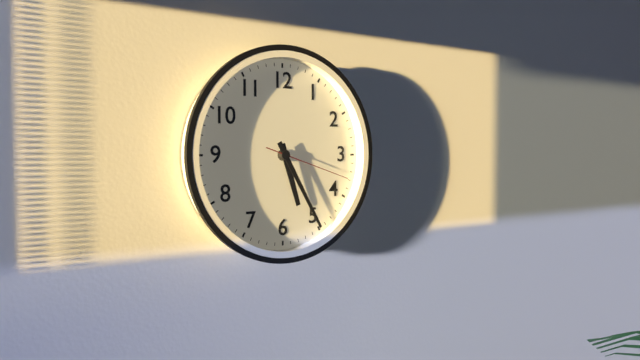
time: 5:25:18
